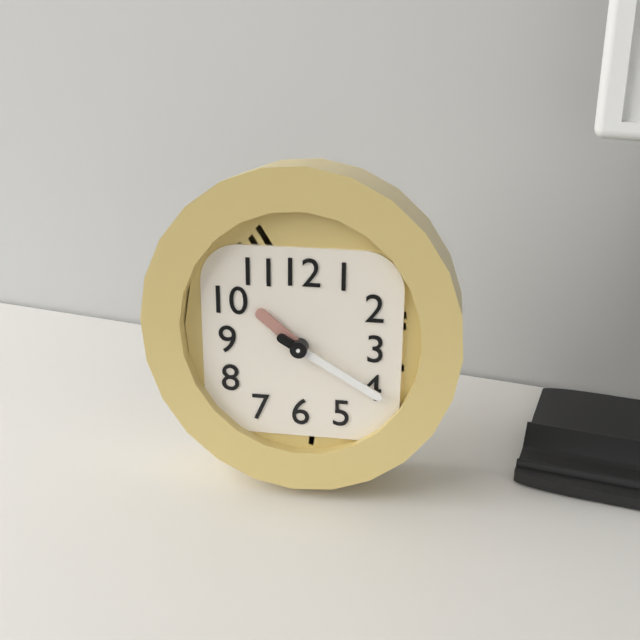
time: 10:20
